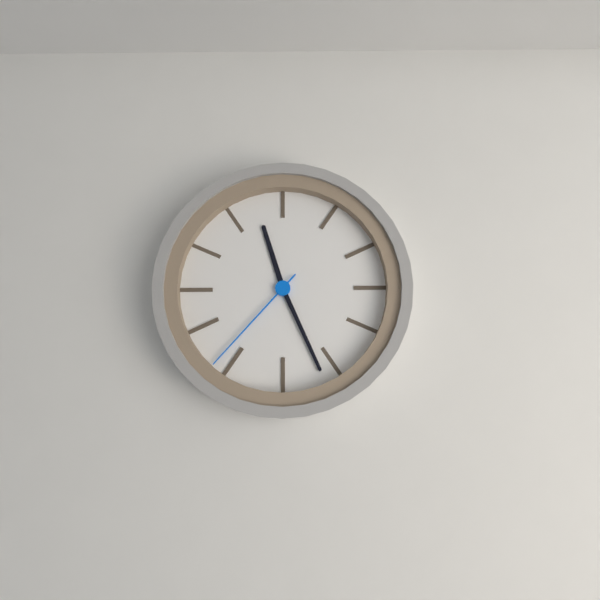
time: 11:26:37
